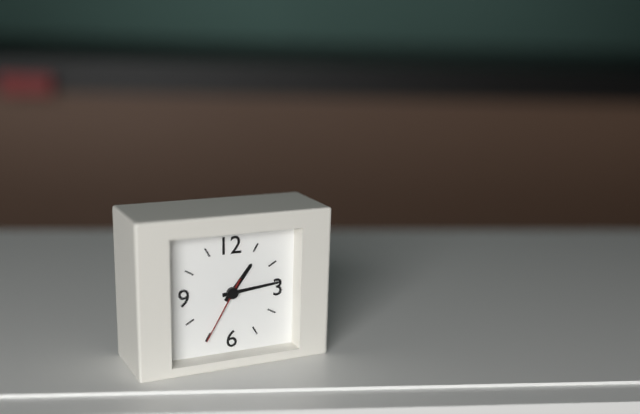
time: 1:14:35
